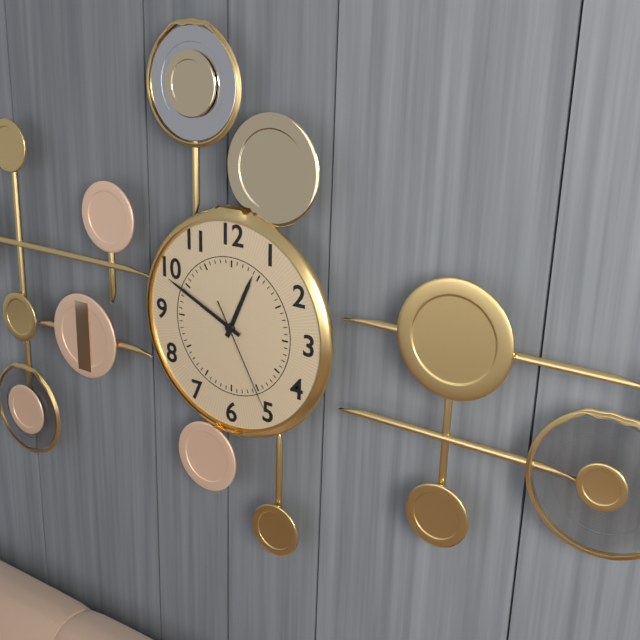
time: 12:49:25
